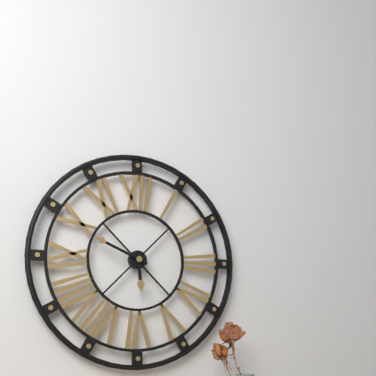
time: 5:49
